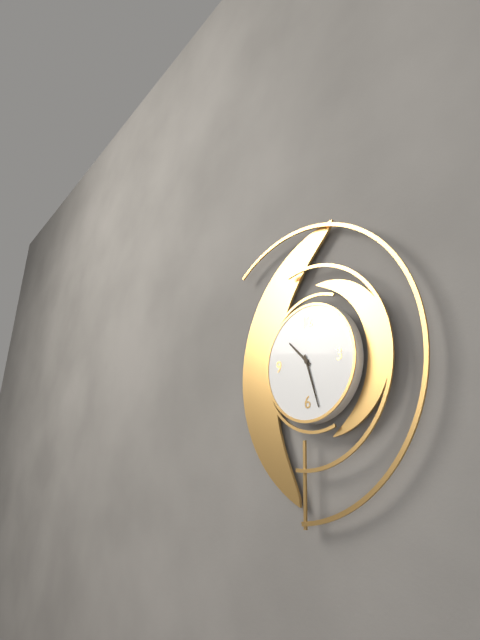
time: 10:27
